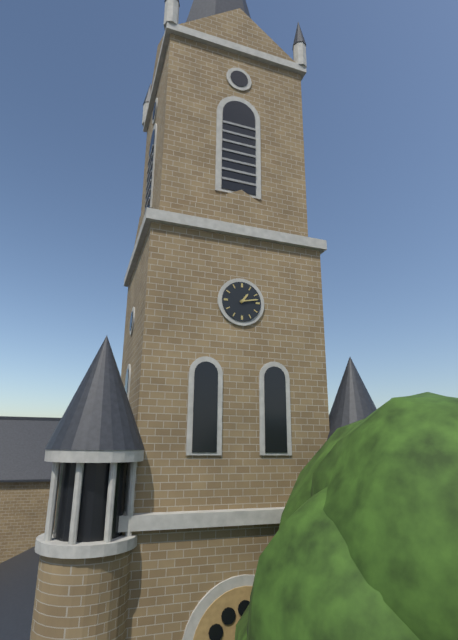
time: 1:13
